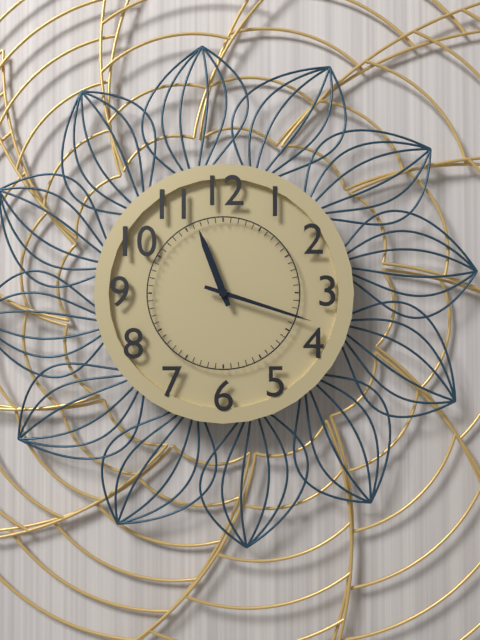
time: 11:18
